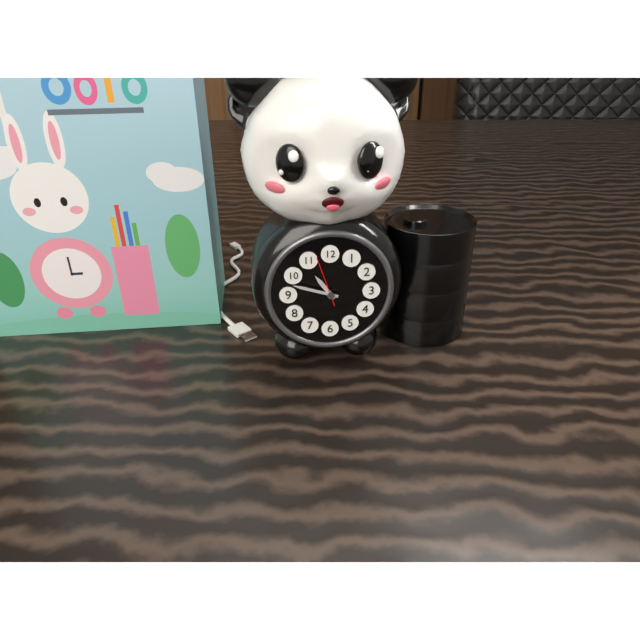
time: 10:48
